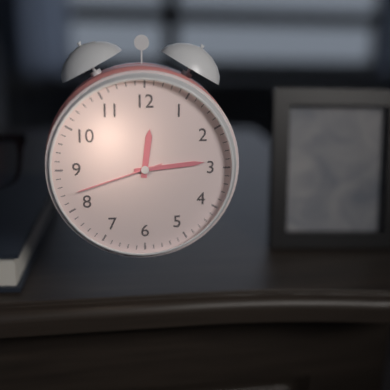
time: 12:14:42
